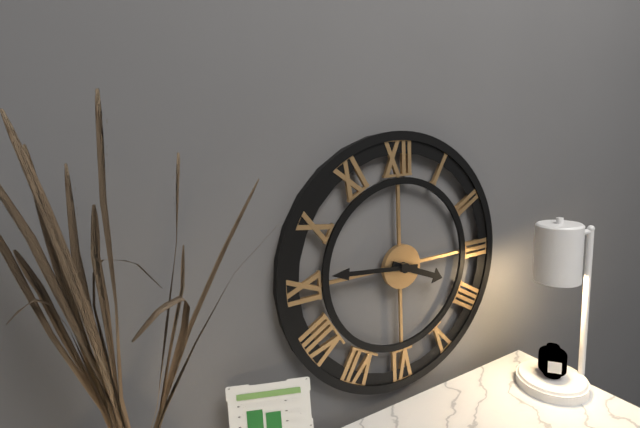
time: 3:46
